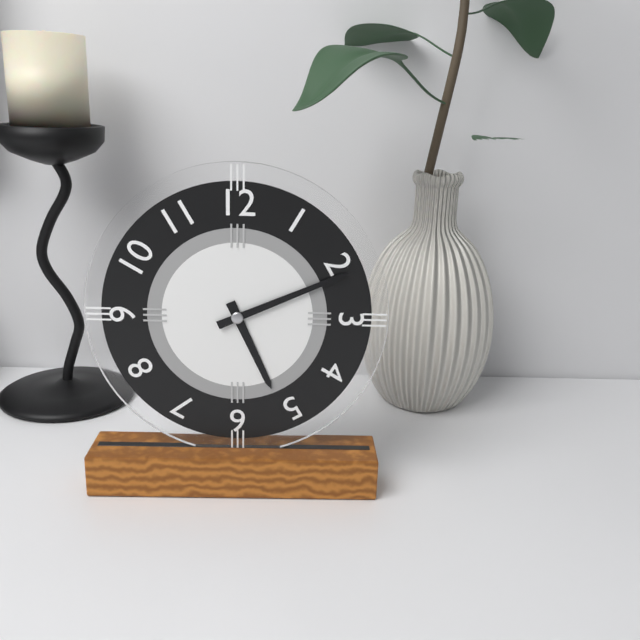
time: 5:11
